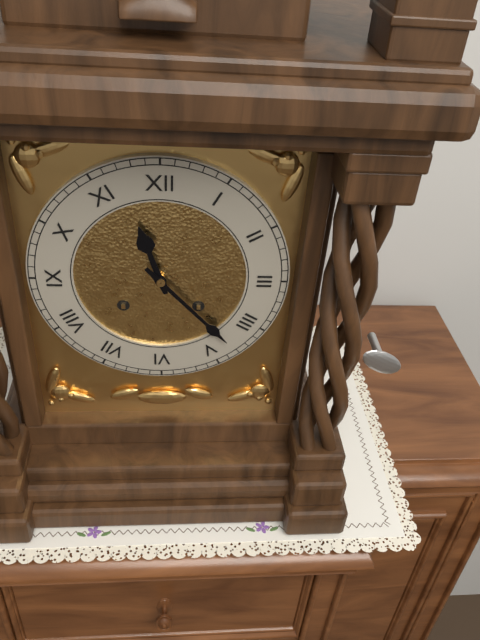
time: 11:23
